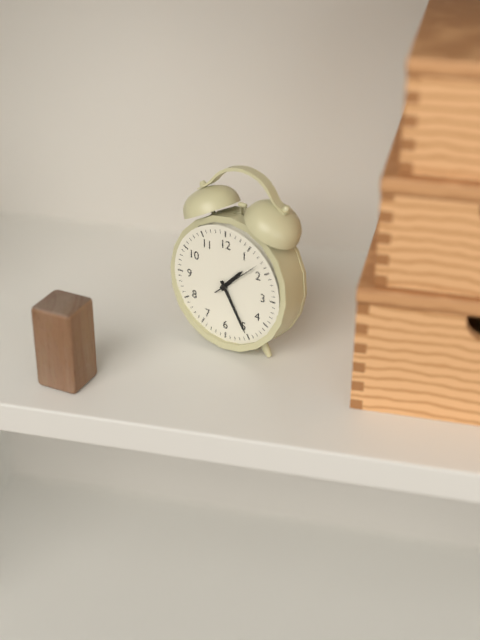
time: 1:25:08
